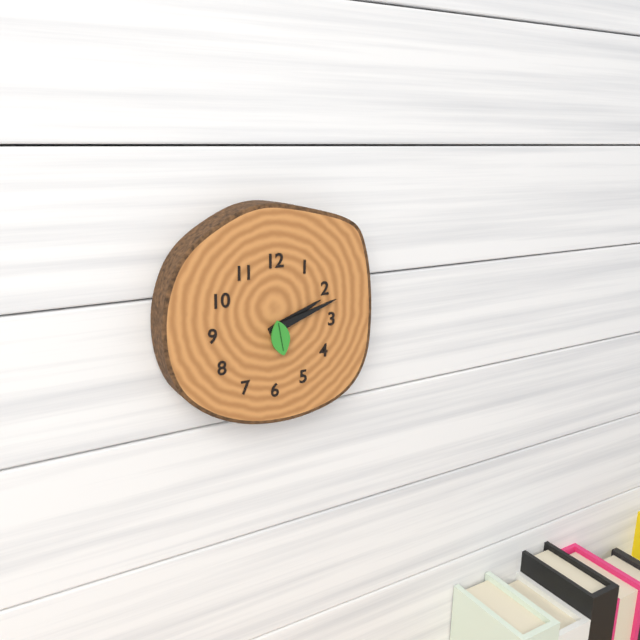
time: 2:12
